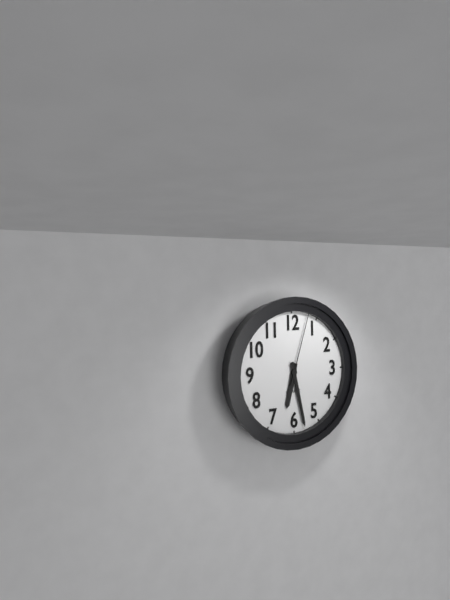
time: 6:28:03
